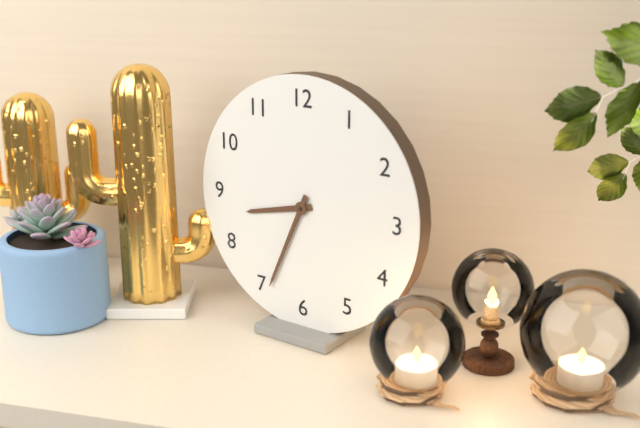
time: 8:34
